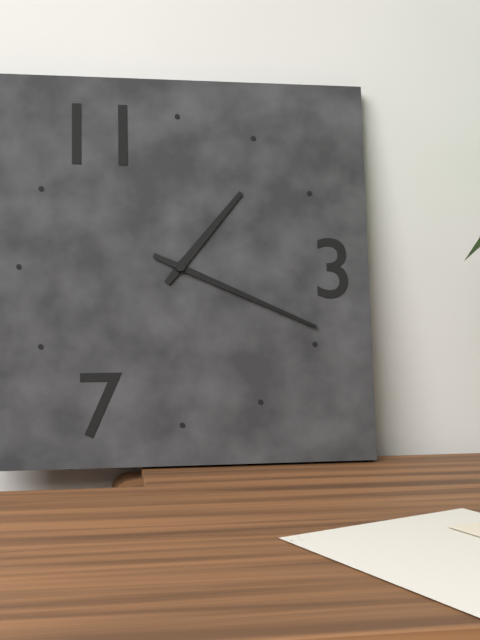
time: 1:19
